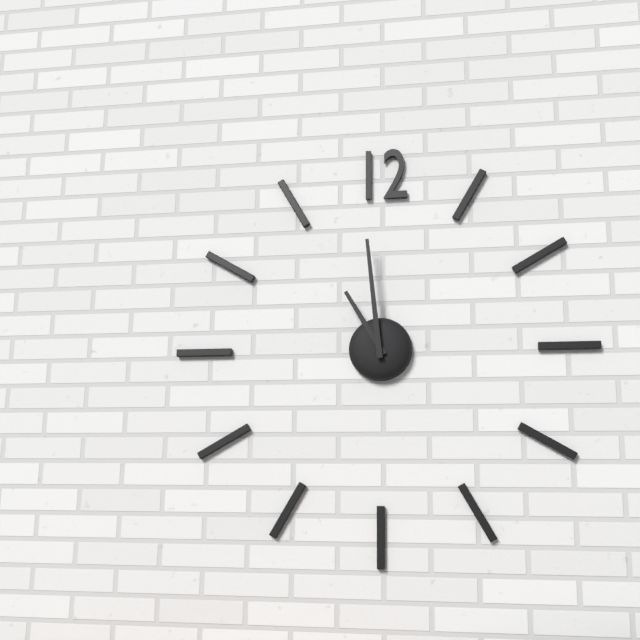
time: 10:59
